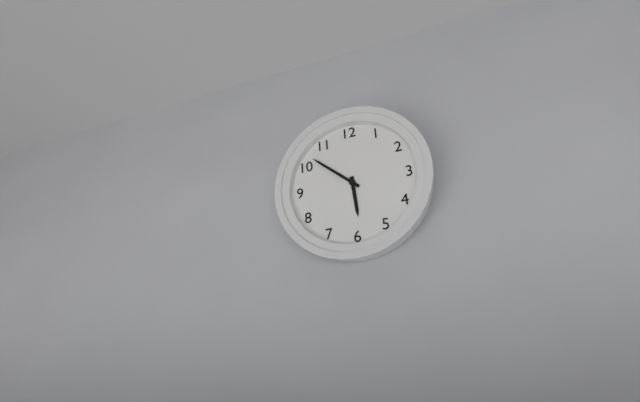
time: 5:52
